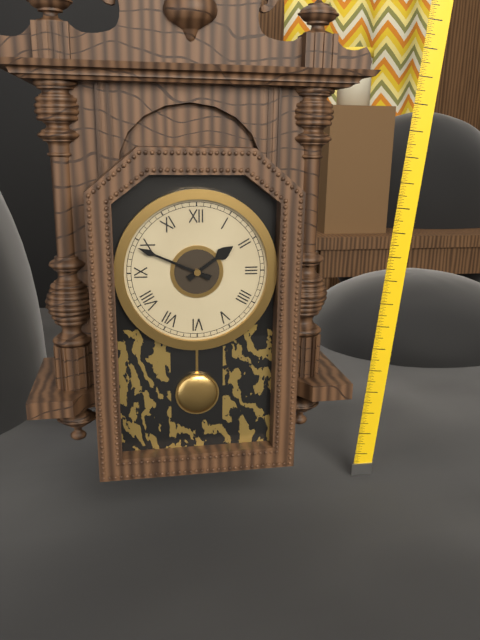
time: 1:49
